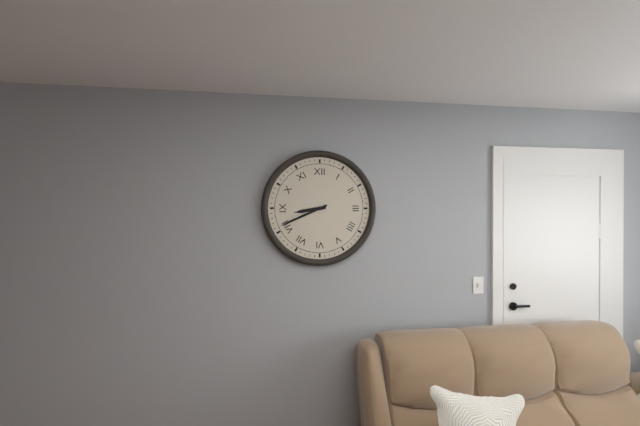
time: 8:41
